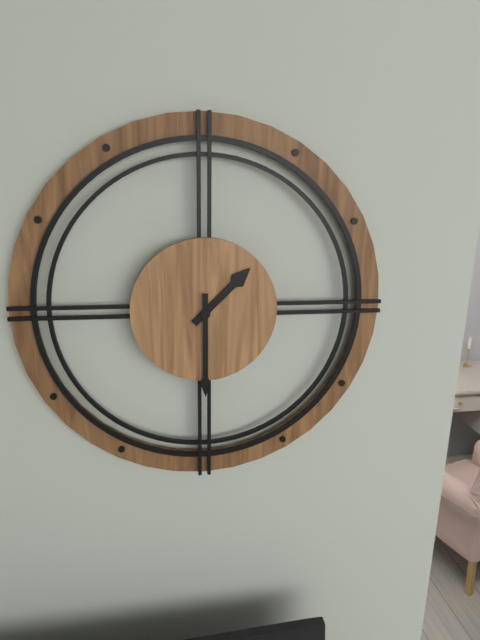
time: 1:30
